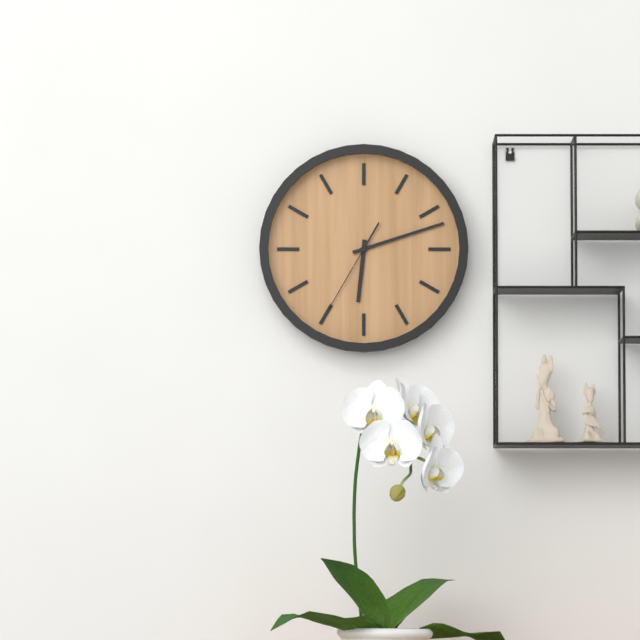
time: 6:12:35
